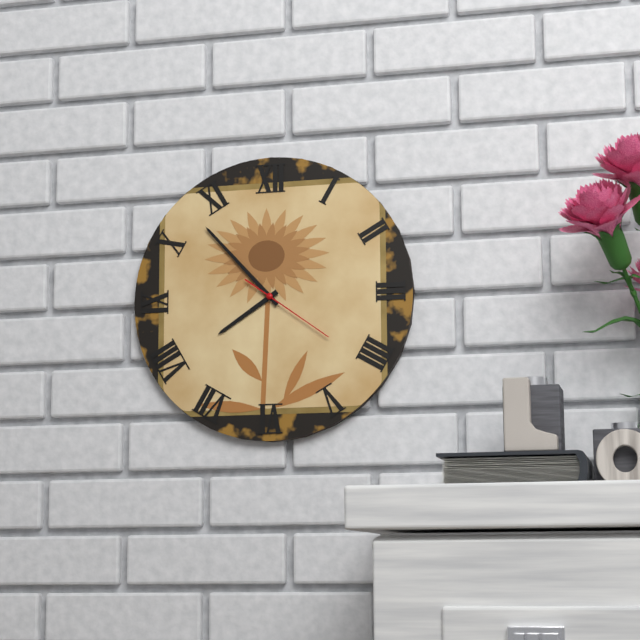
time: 7:53:21
